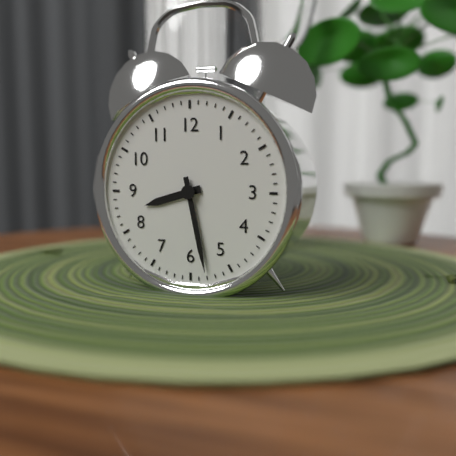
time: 8:28
